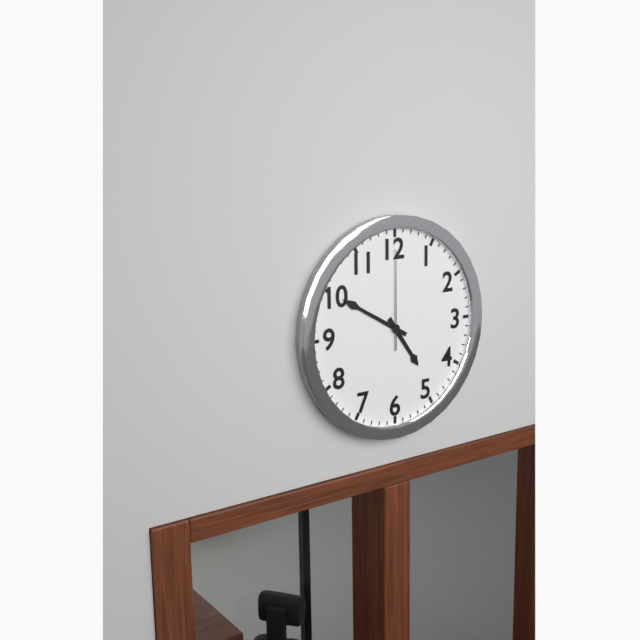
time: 4:50:00
